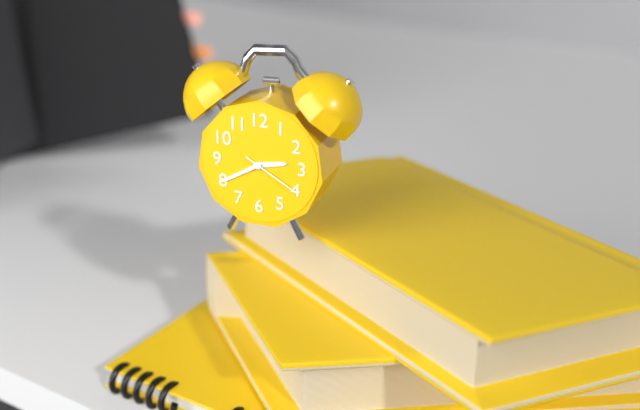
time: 2:40:20
